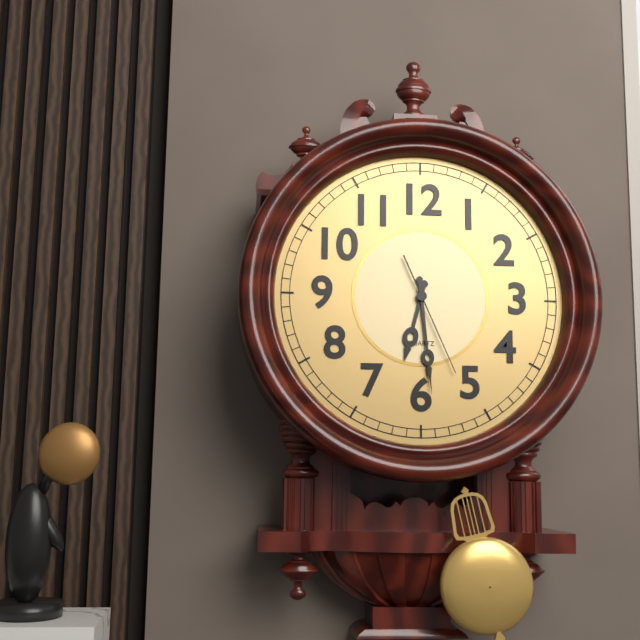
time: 6:29:26
